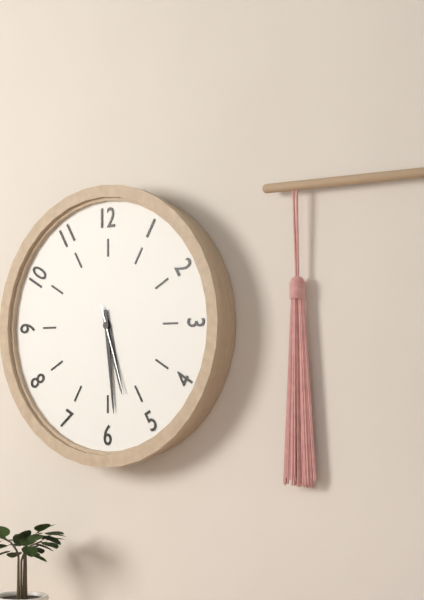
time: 5:29:27
